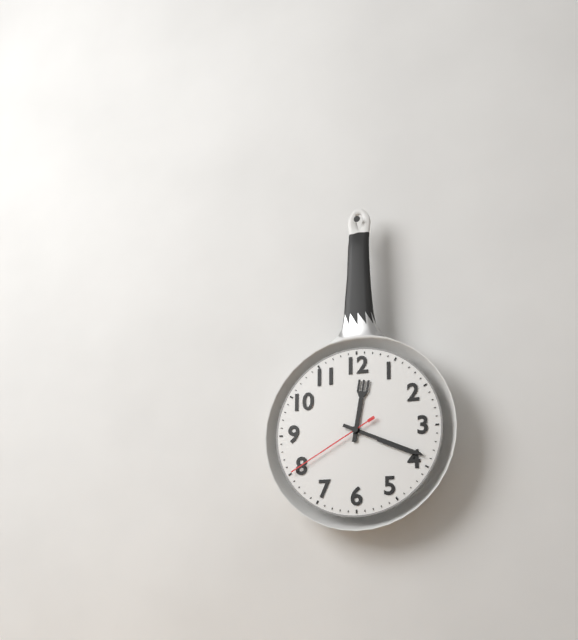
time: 12:19:40
